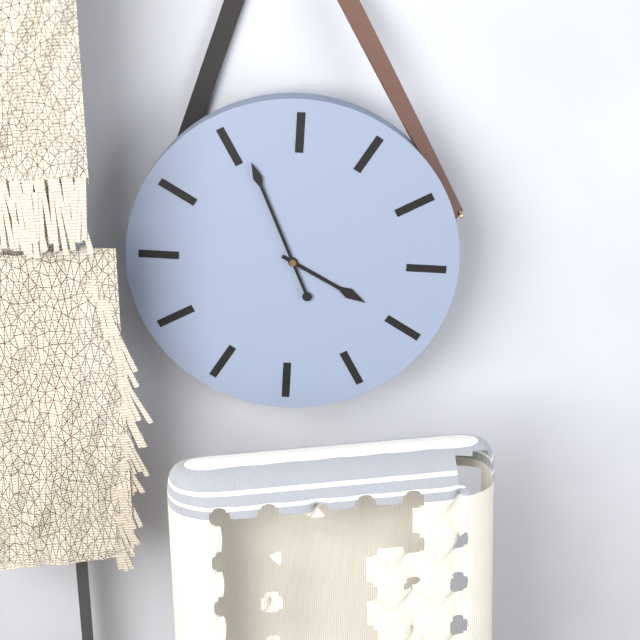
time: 3:56
